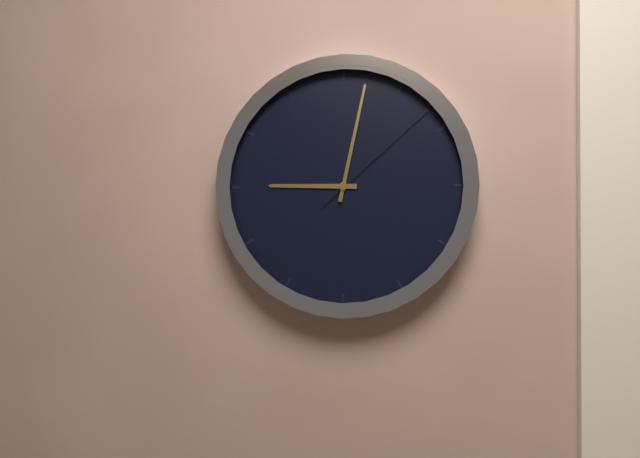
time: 9:02:08
